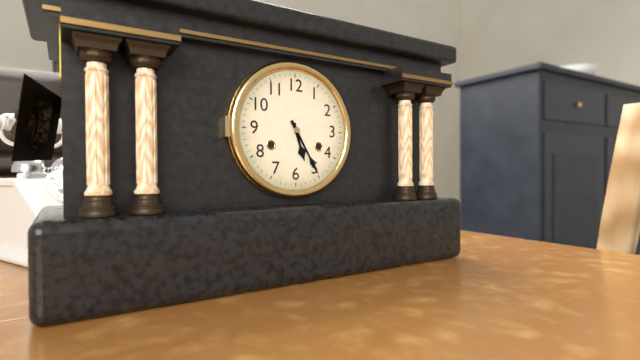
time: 5:25
